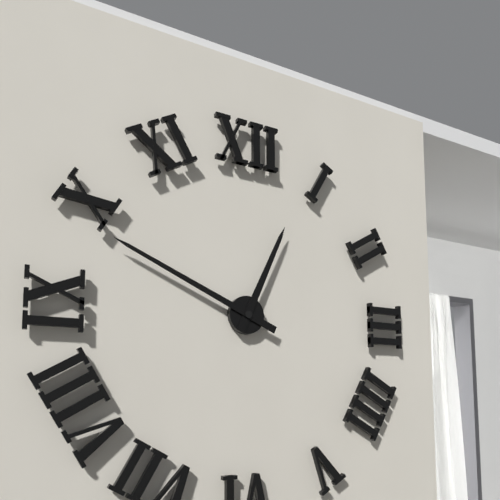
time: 12:49
